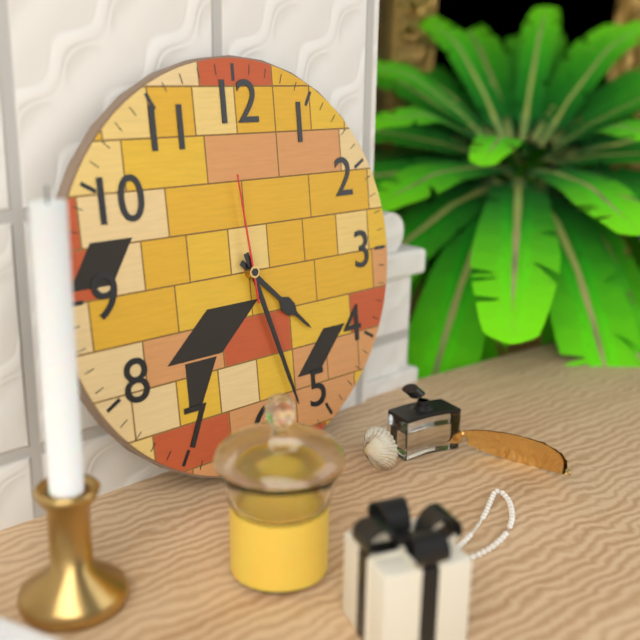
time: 4:27:59
